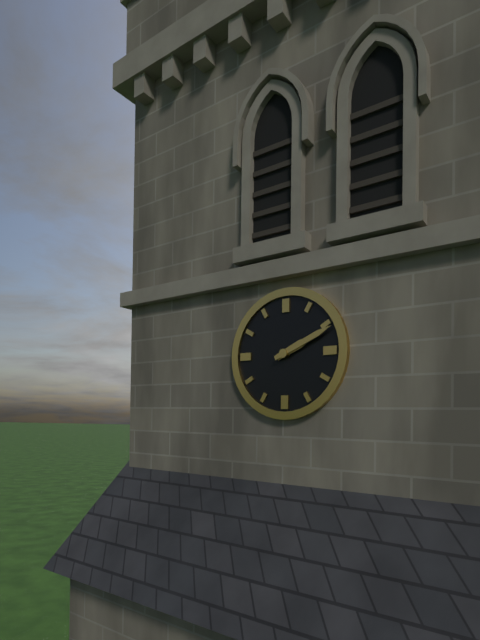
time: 2:11
